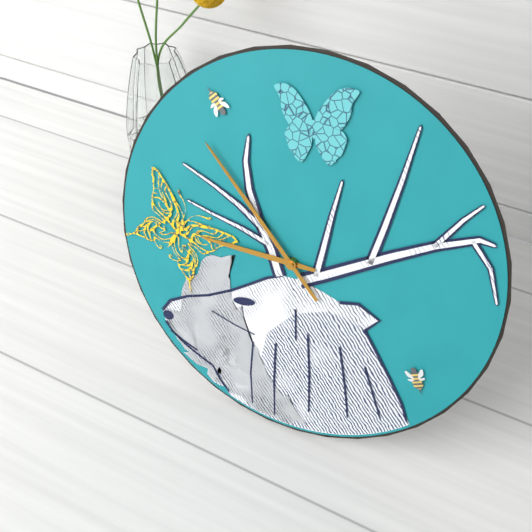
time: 8:52
